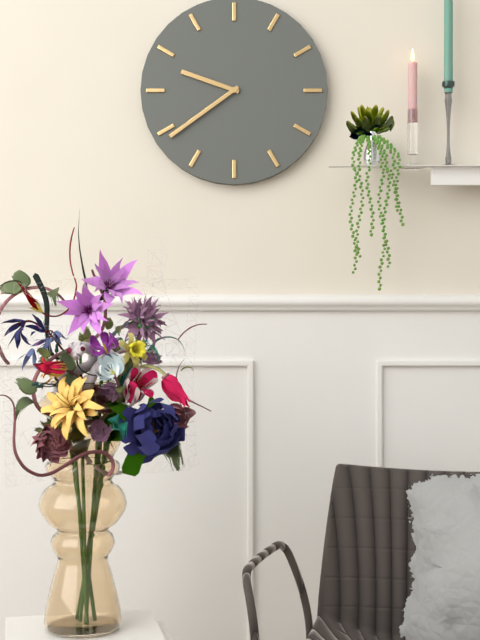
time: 9:39
